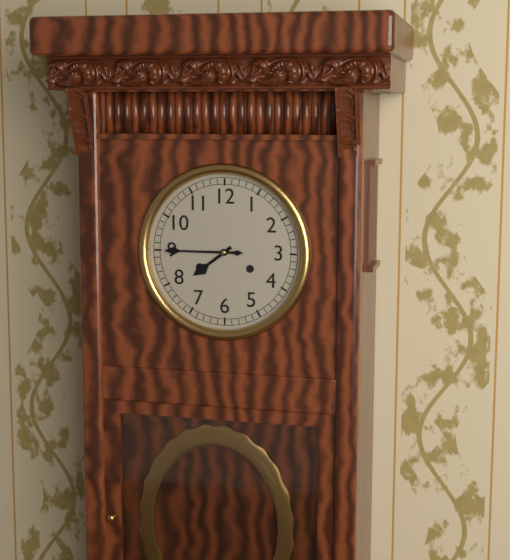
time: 7:45
